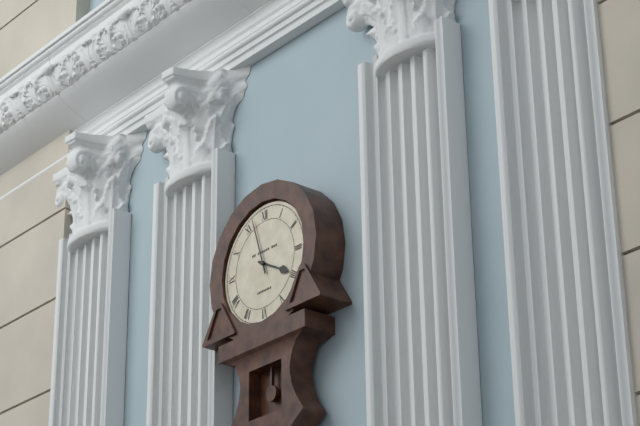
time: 3:57
